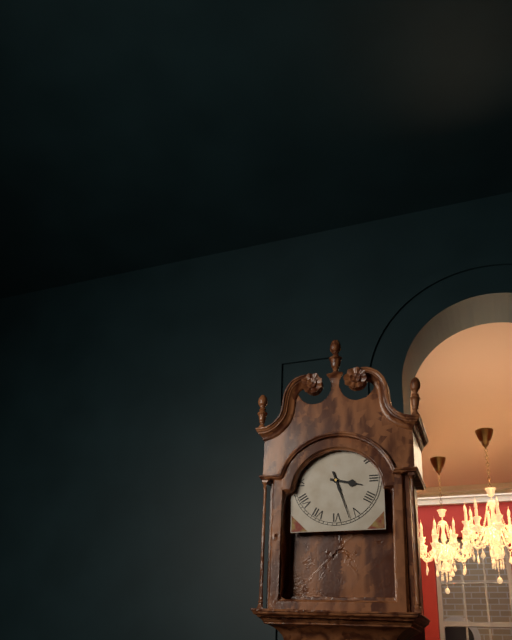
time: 3:27
